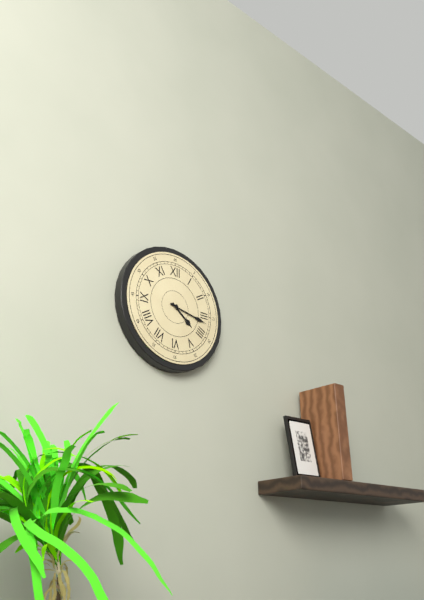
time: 4:17
